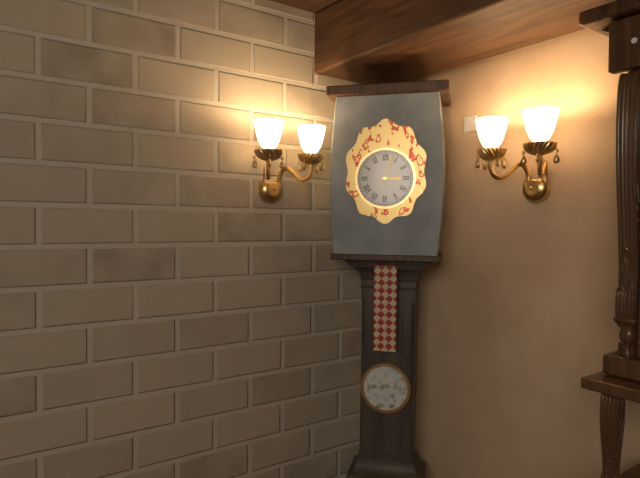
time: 3:03
